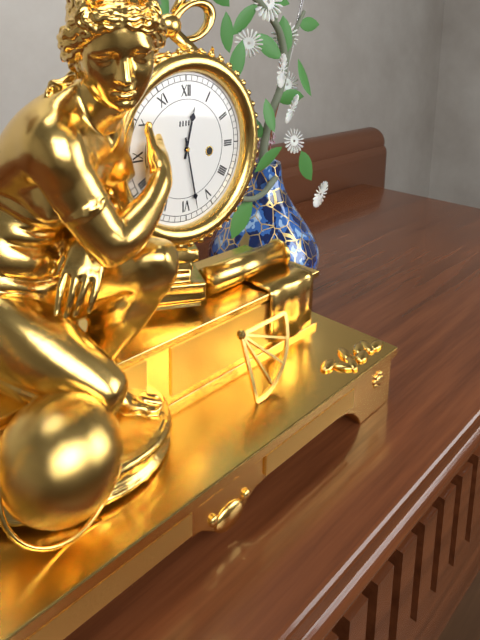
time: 12:28
